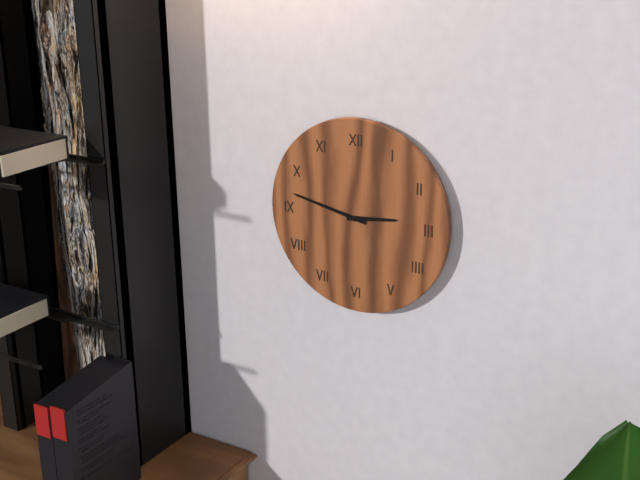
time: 2:47
